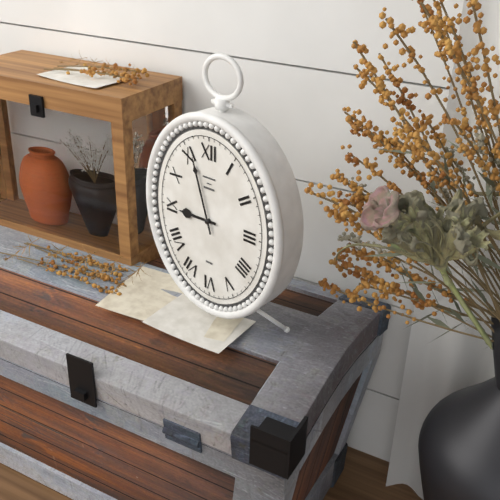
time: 8:57
